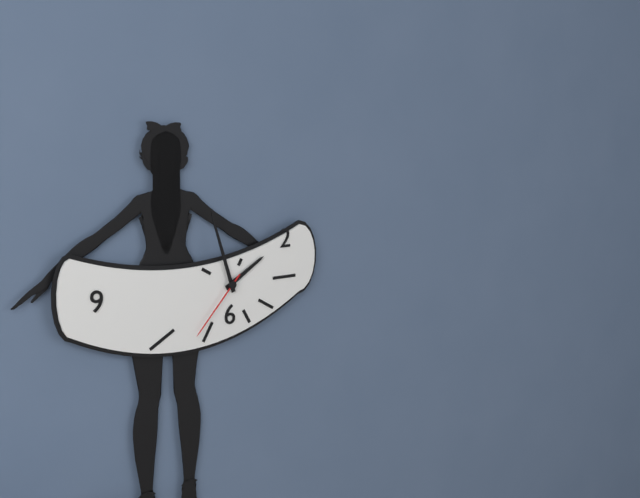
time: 1:57:37
